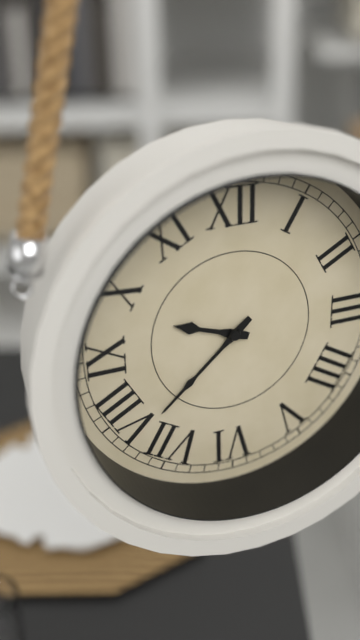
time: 9:38
